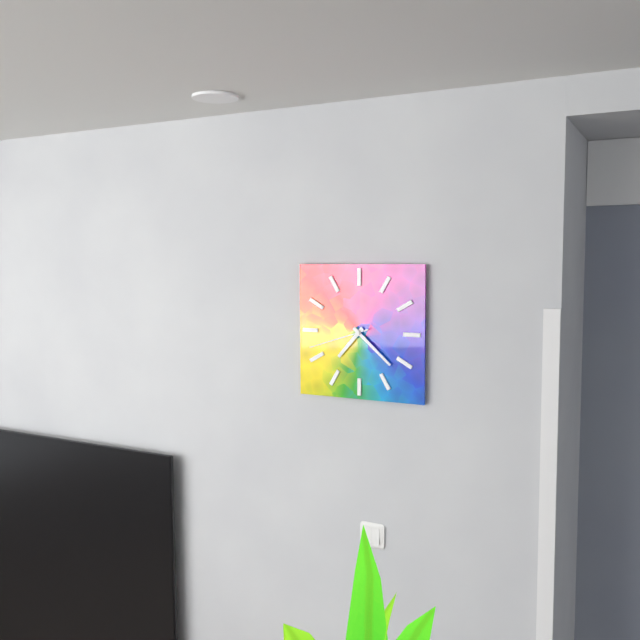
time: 7:22:42
